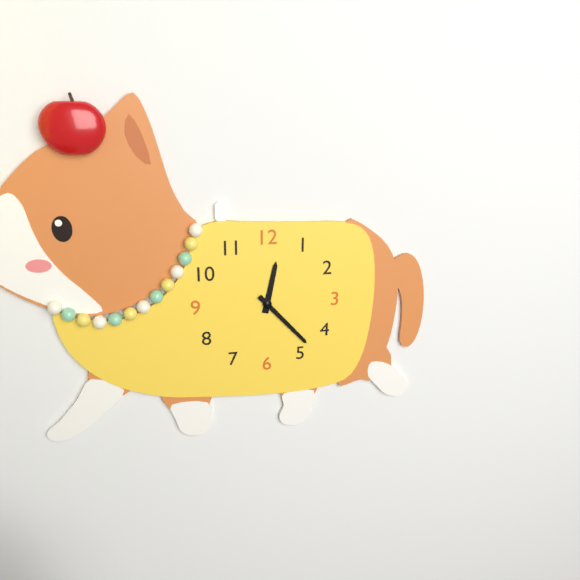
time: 12:23
